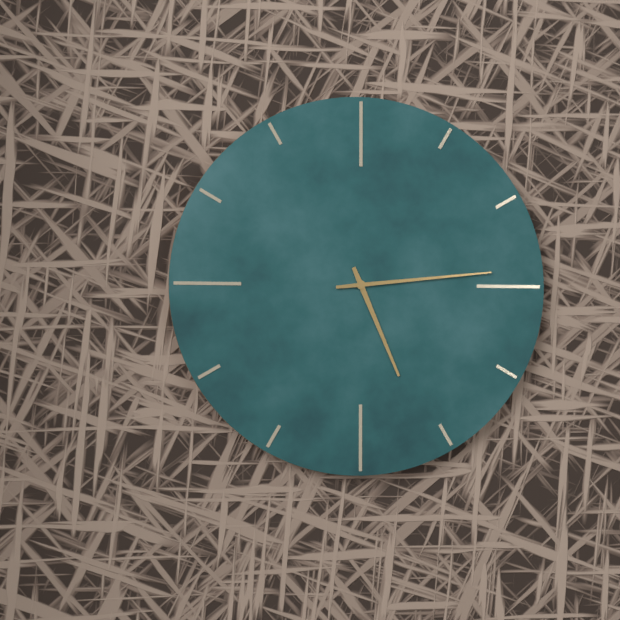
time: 5:14
